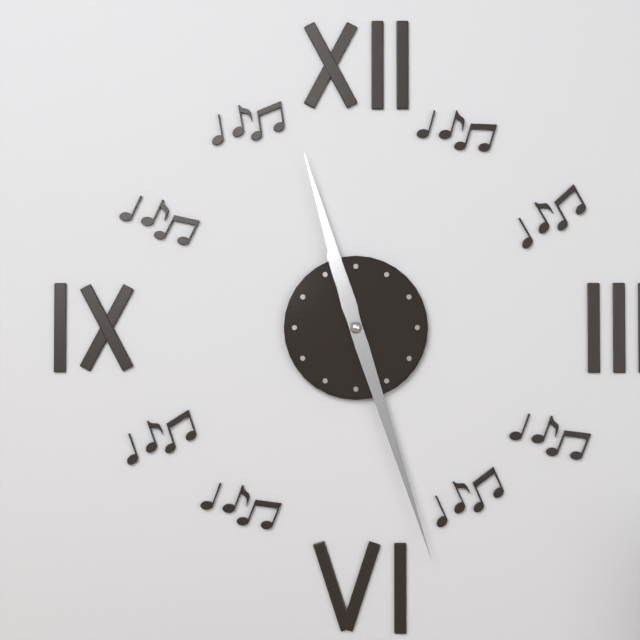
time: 11:27
